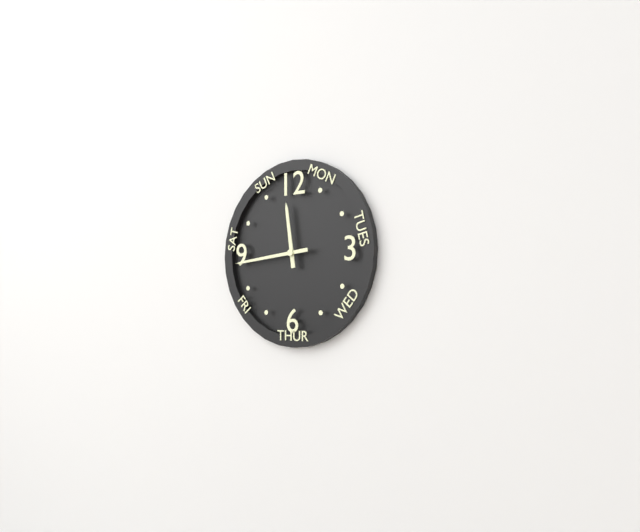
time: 11:44
